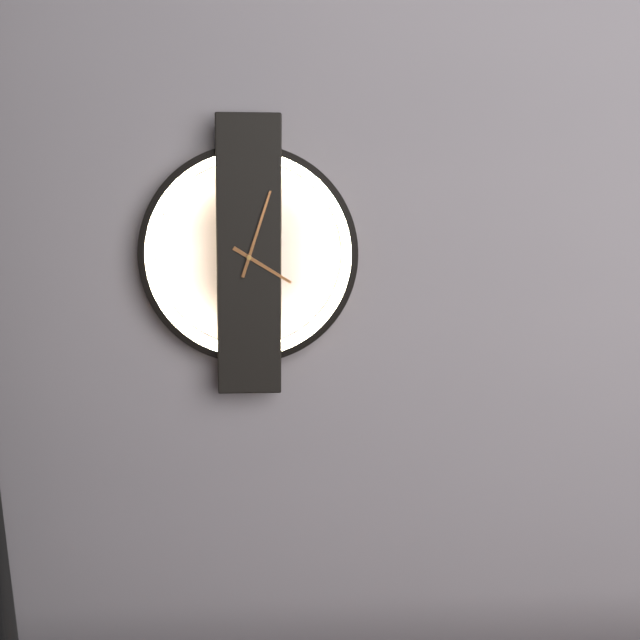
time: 4:03
